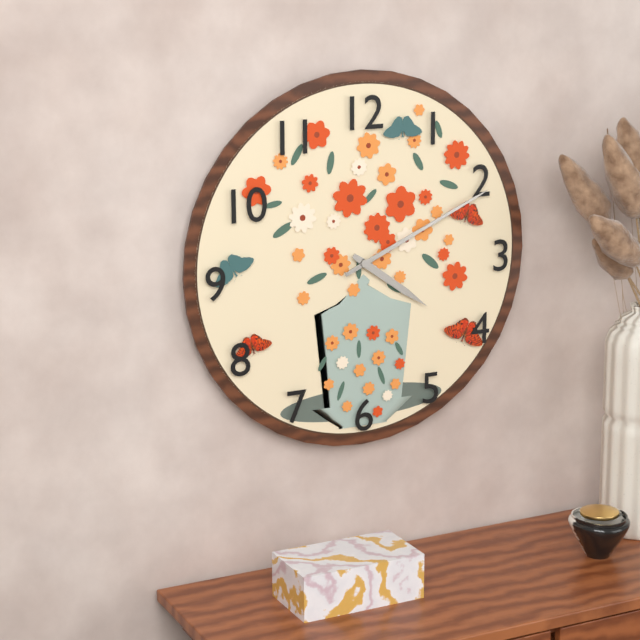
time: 4:11
